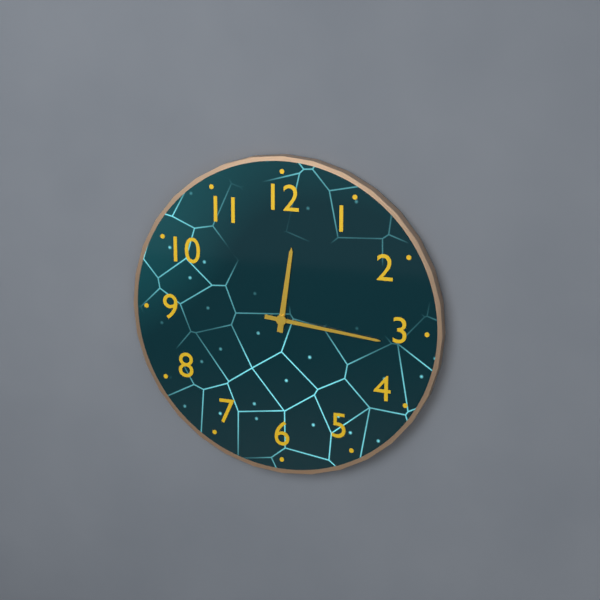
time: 12:16
